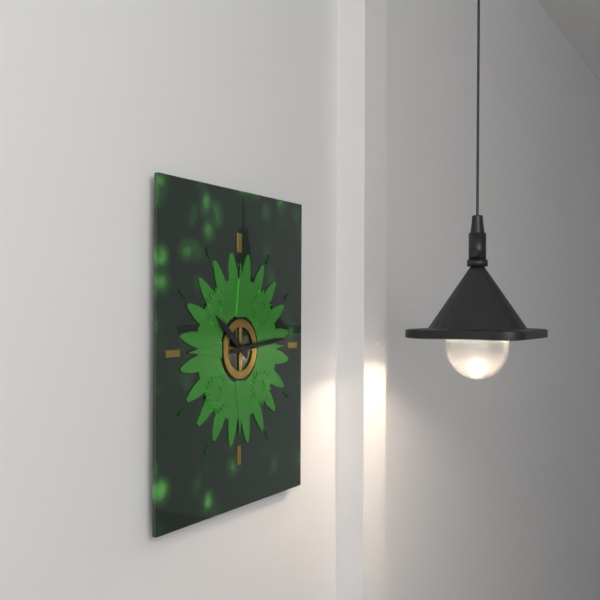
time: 10:14
